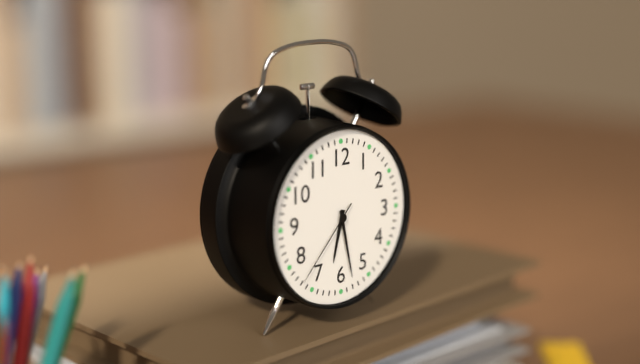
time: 6:28:37
